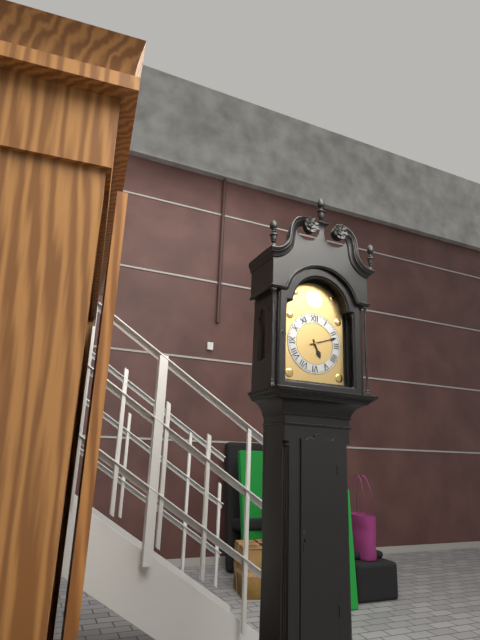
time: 5:12
